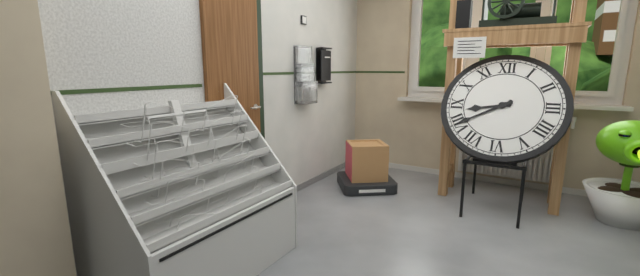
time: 8:40
